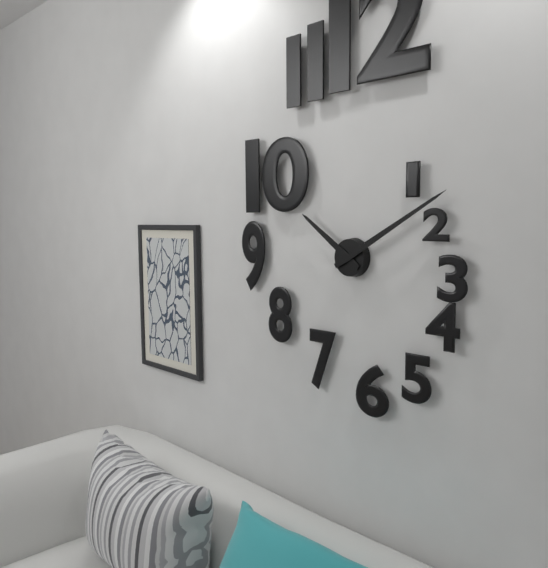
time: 10:10
